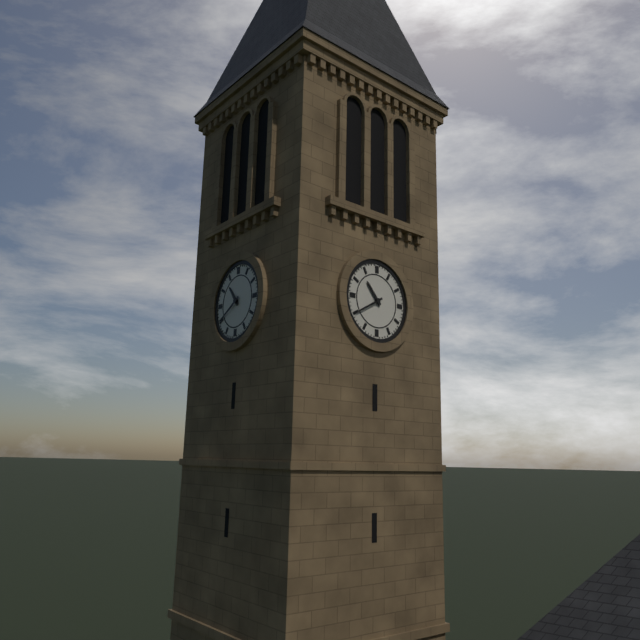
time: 10:40
